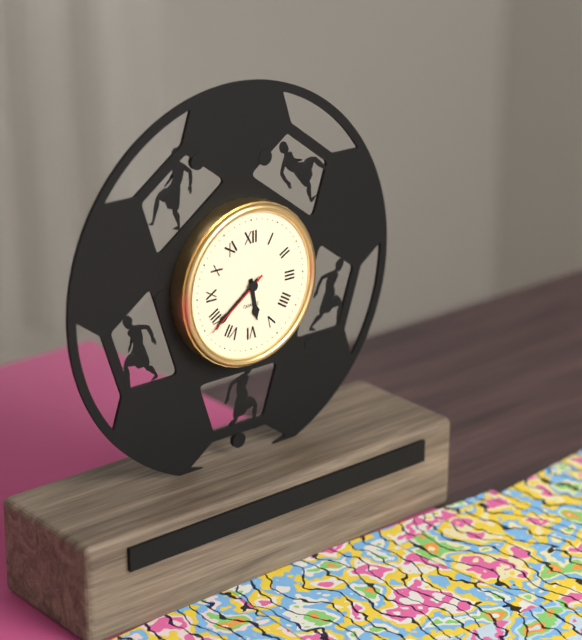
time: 5:39:39
